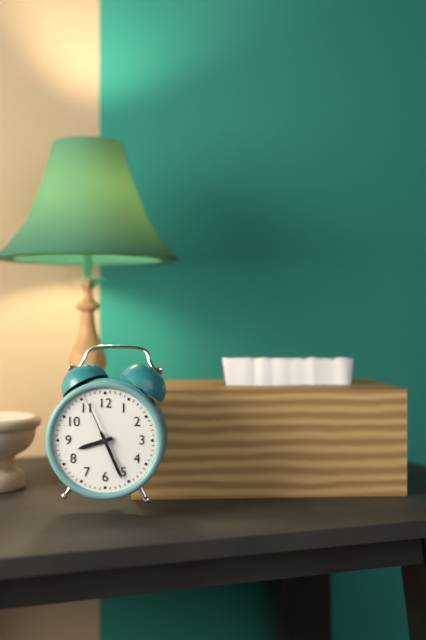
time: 8:26:56
